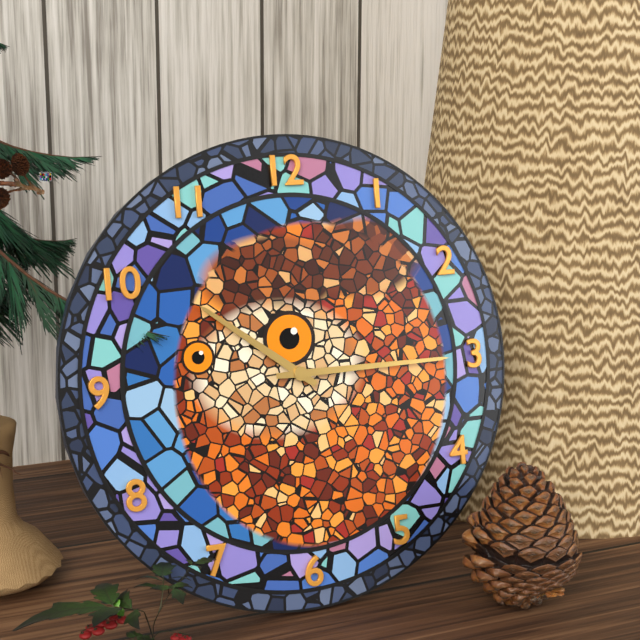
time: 10:15
